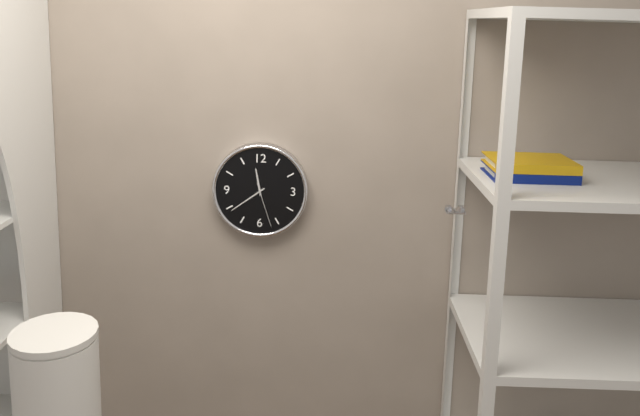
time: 11:39
